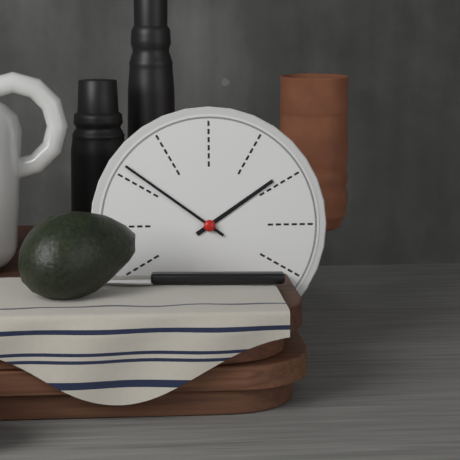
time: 1:51
